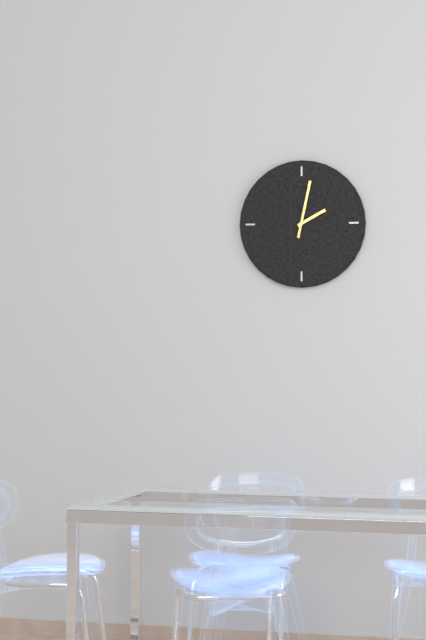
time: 2:02
